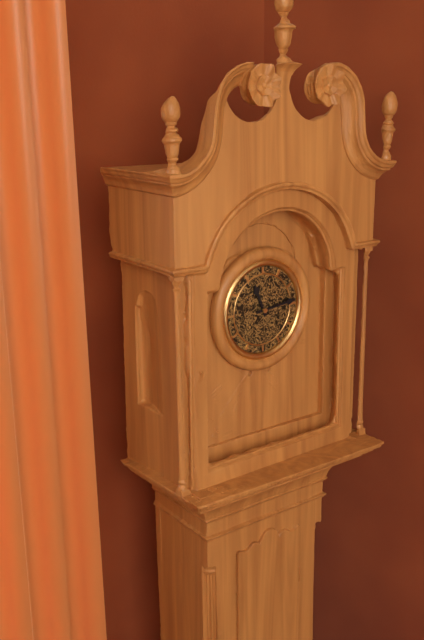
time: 11:14
